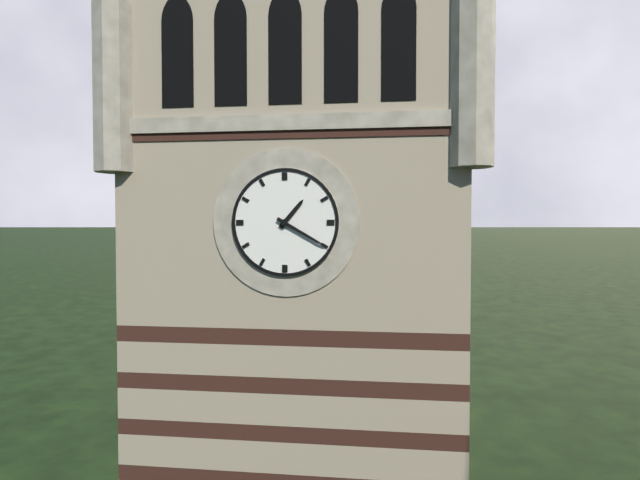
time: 1:20
